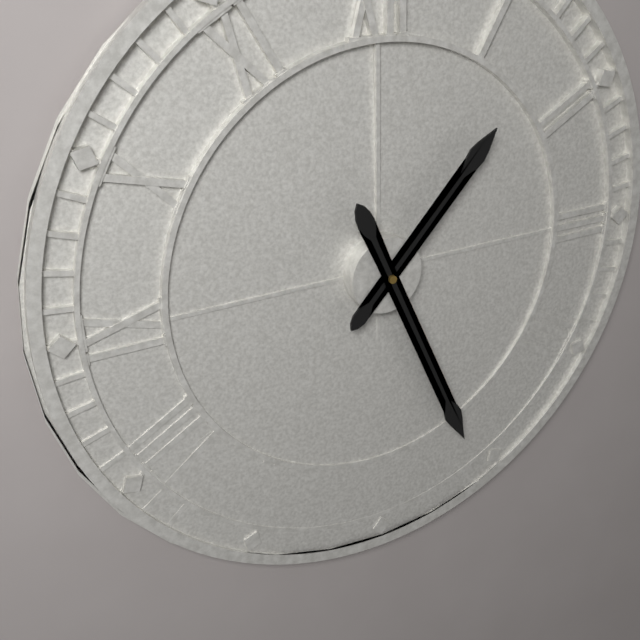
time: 1:26
